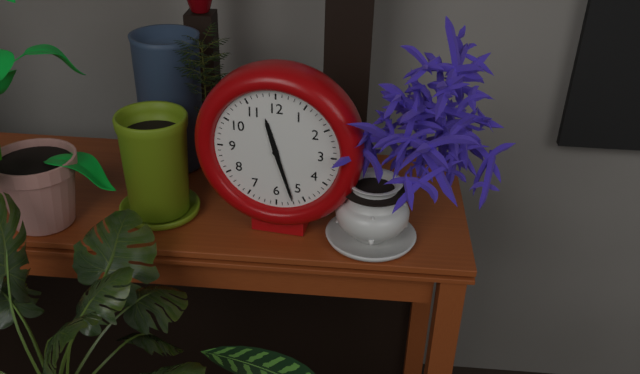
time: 11:27
